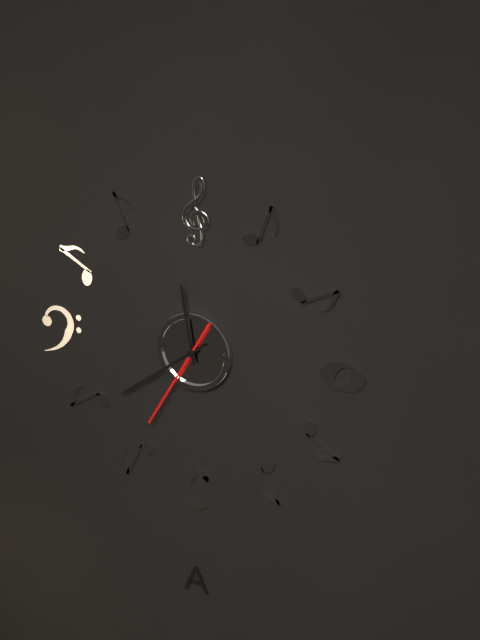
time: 11:39:35
